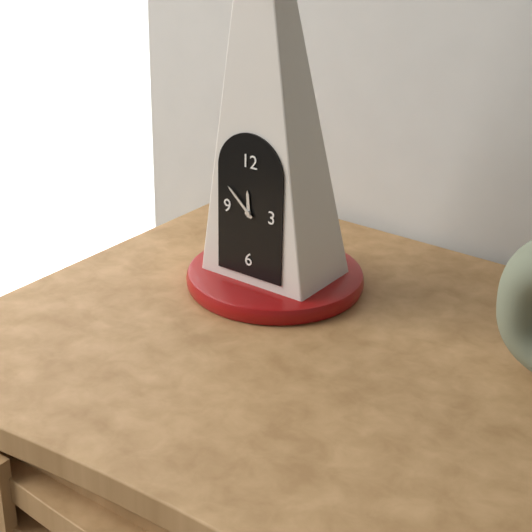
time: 11:52
